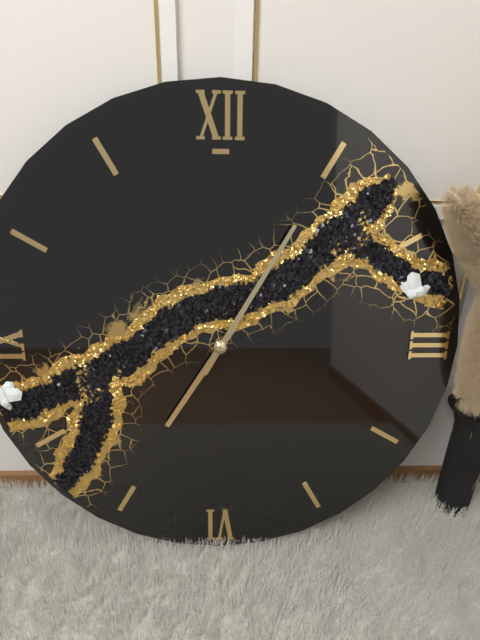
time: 7:05
